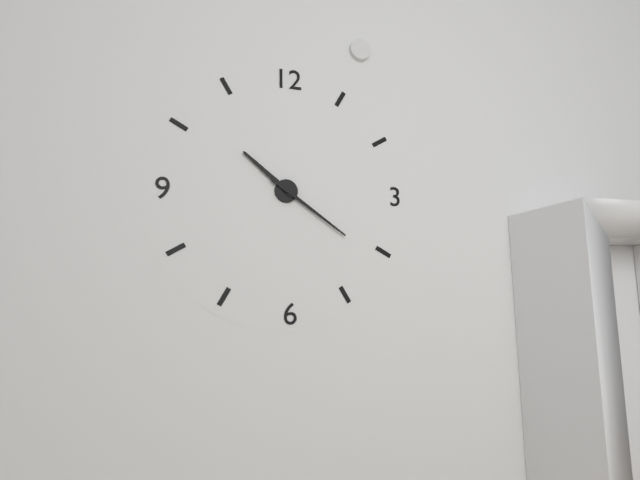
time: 10:21
